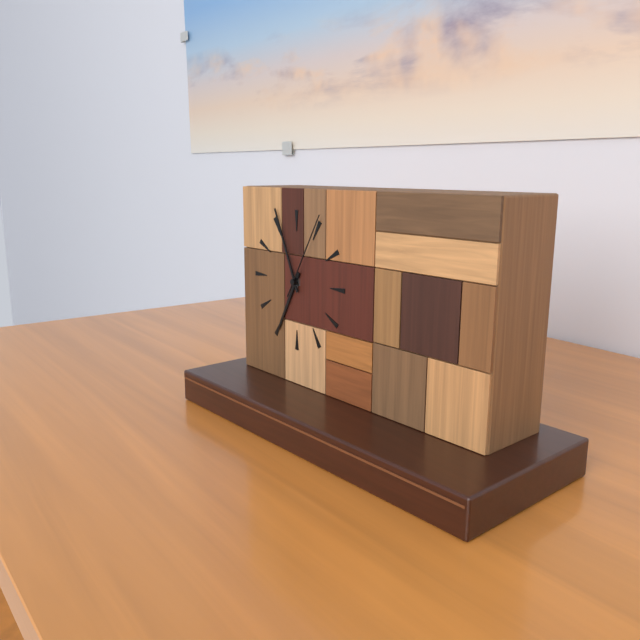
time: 6:56:05
